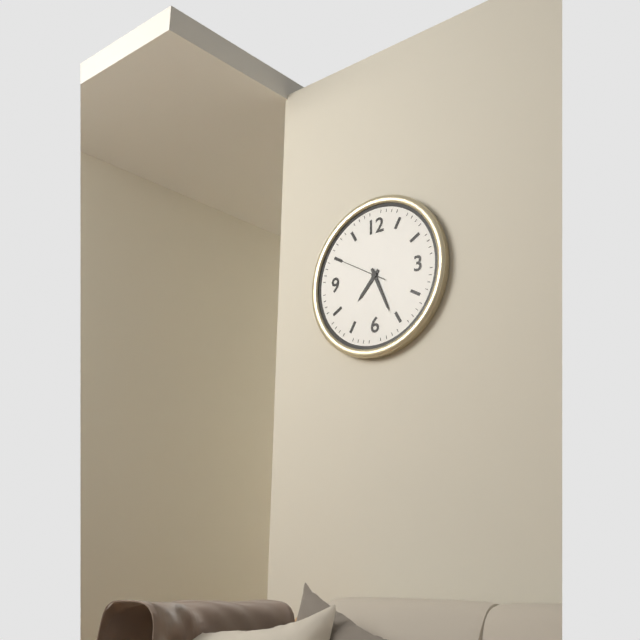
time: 7:26:50
